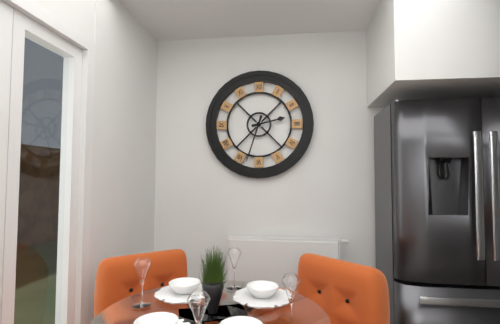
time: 2:33
